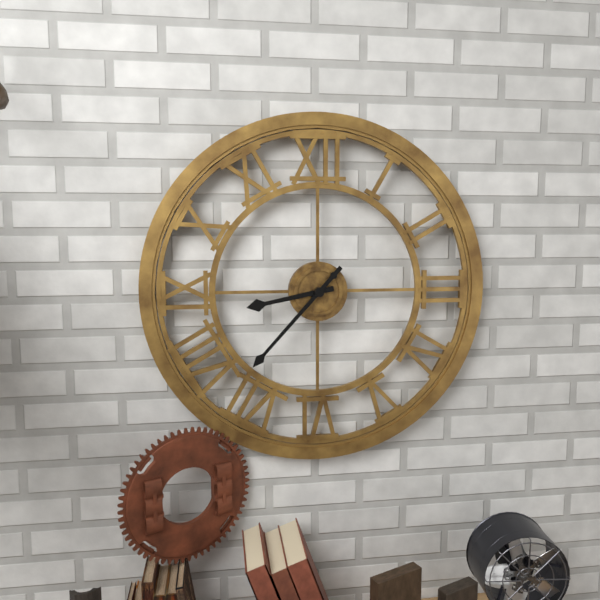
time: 8:37
